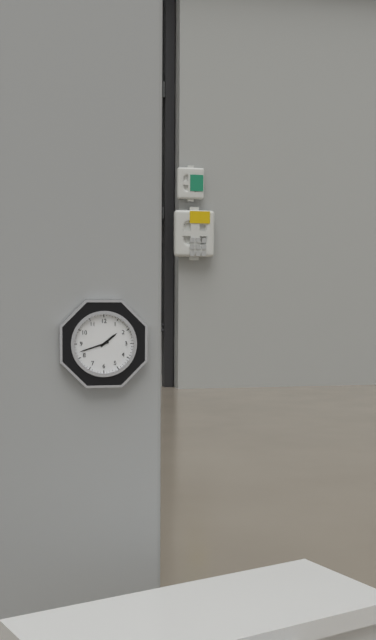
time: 1:42
